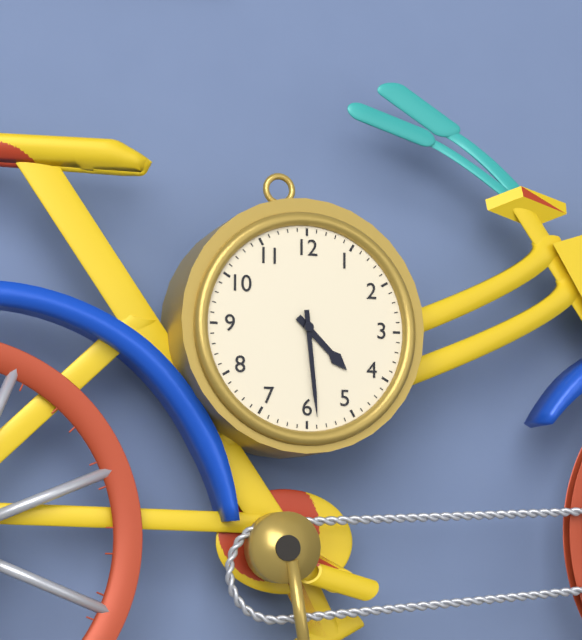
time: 4:29
